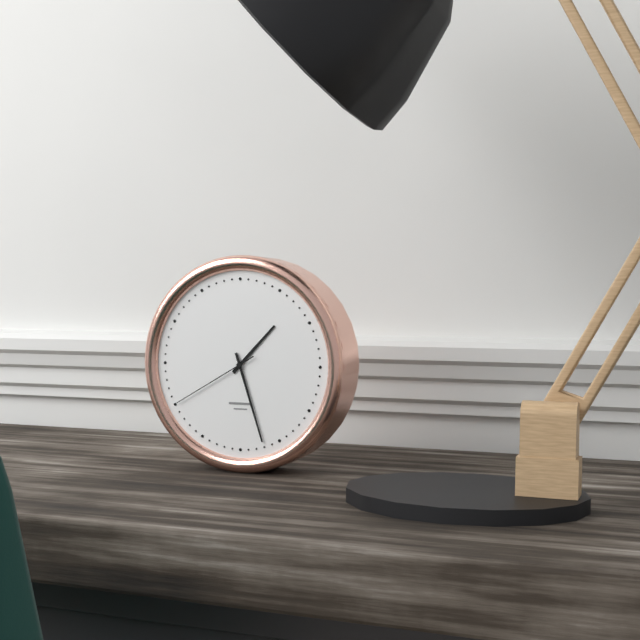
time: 1:27:40
